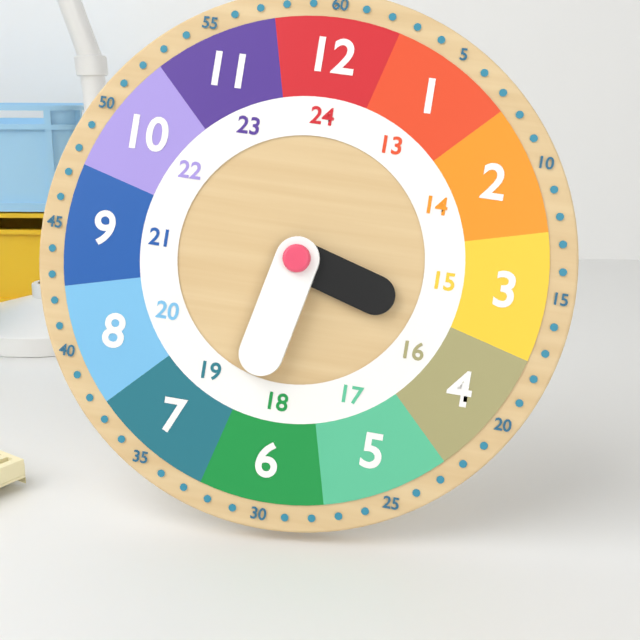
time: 3:32
